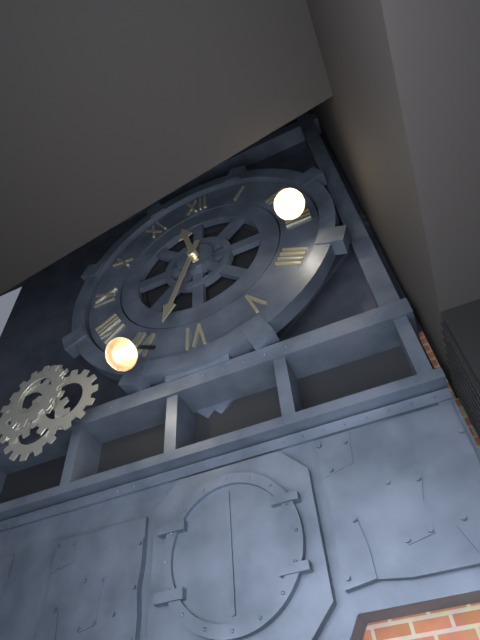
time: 11:33
